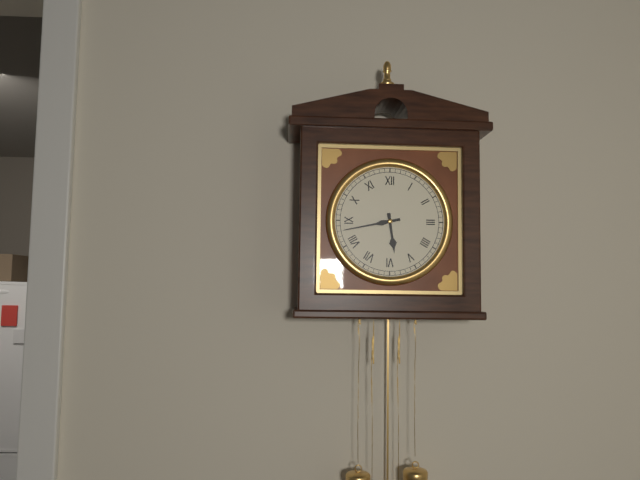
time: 5:43
